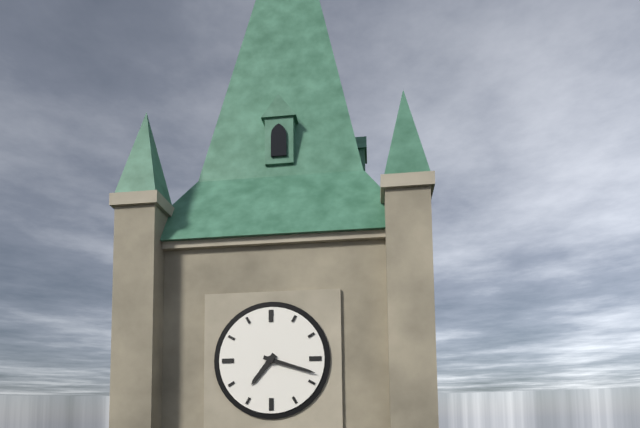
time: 7:18
